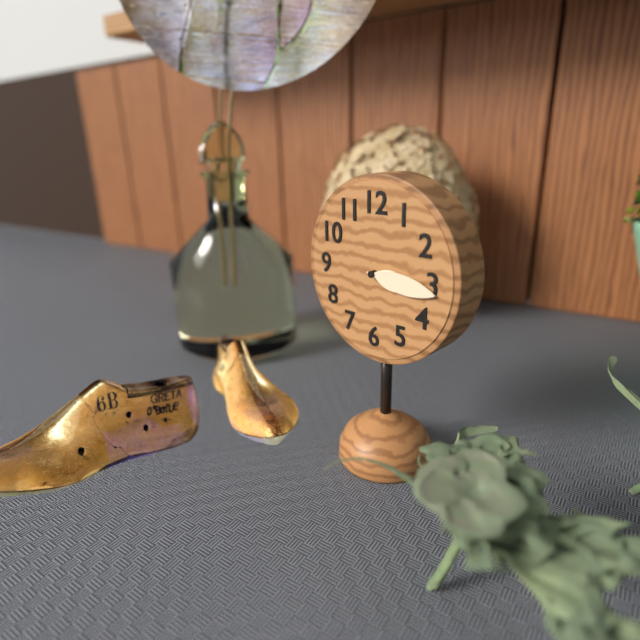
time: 3:16
